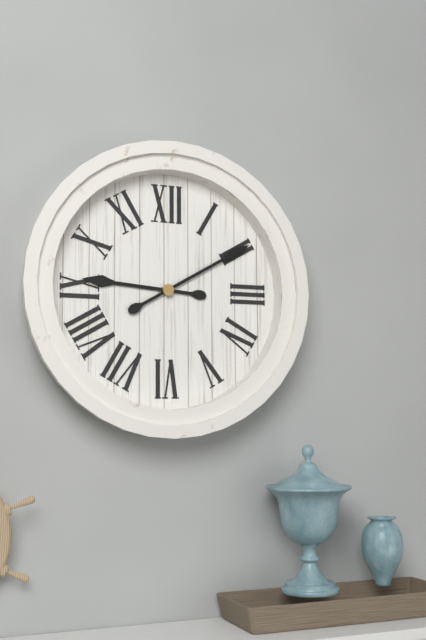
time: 9:10
